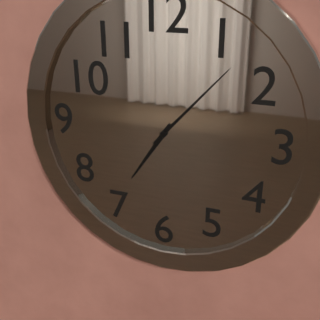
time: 7:07
